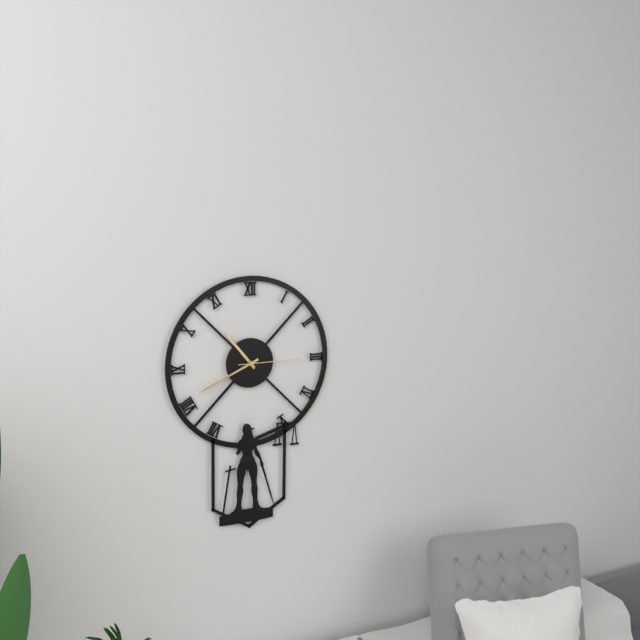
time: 10:41:15
